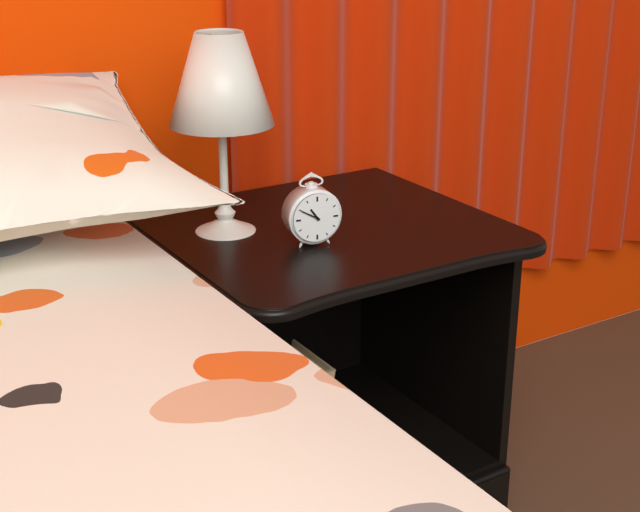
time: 10:50
